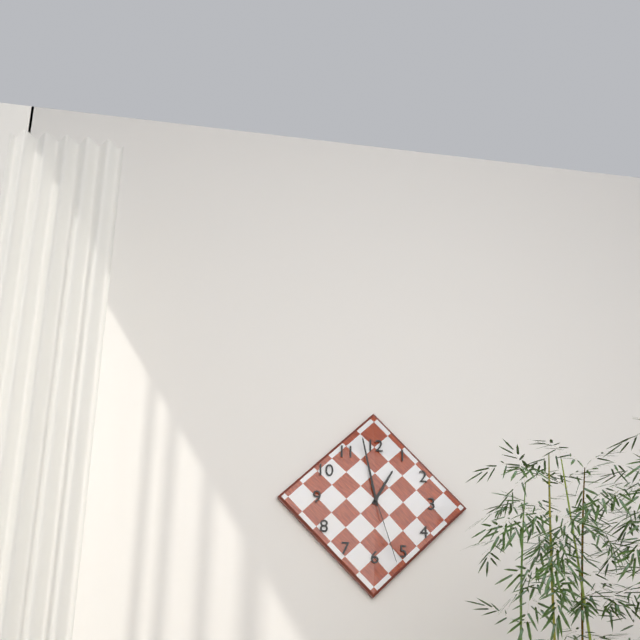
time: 12:58:27
